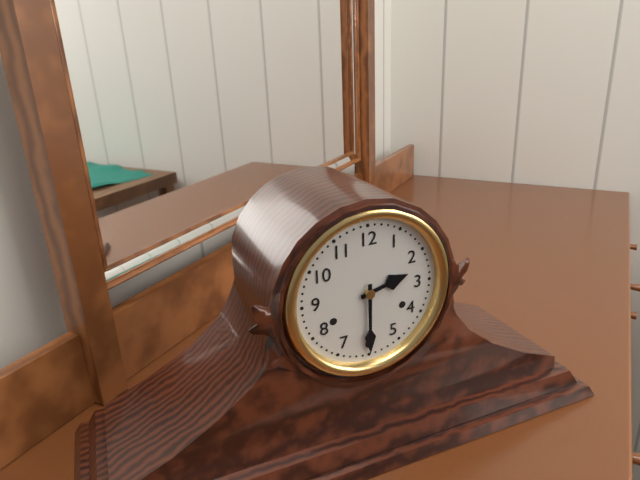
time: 2:30
